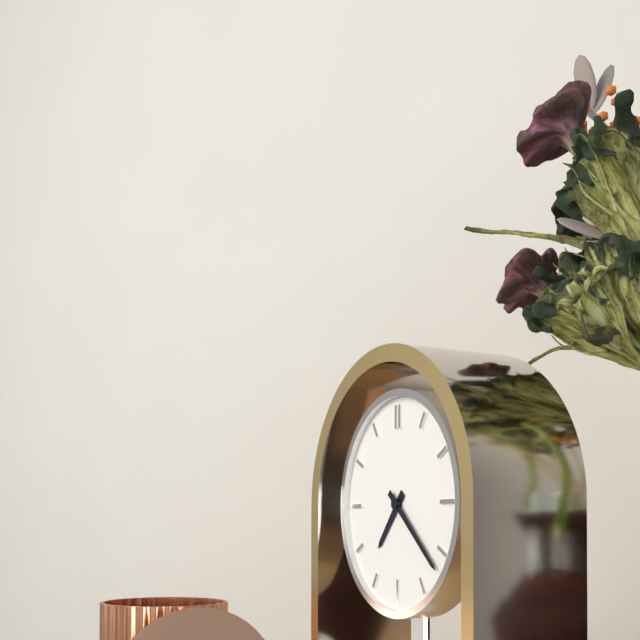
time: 7:22
